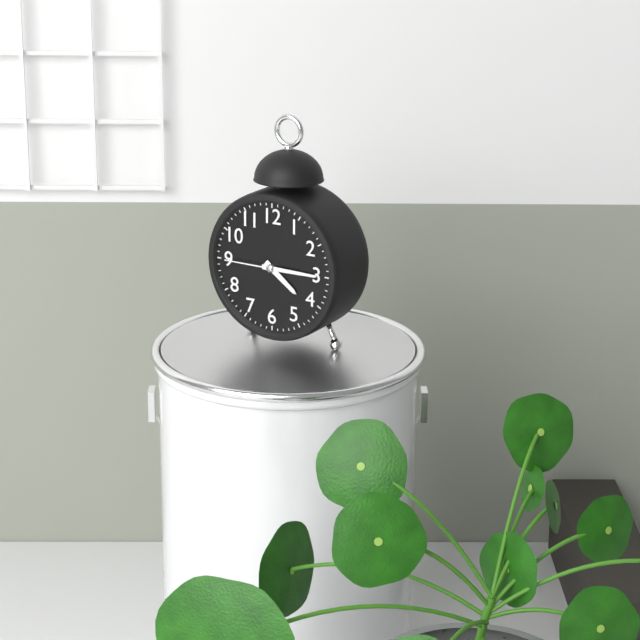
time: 4:15:45
